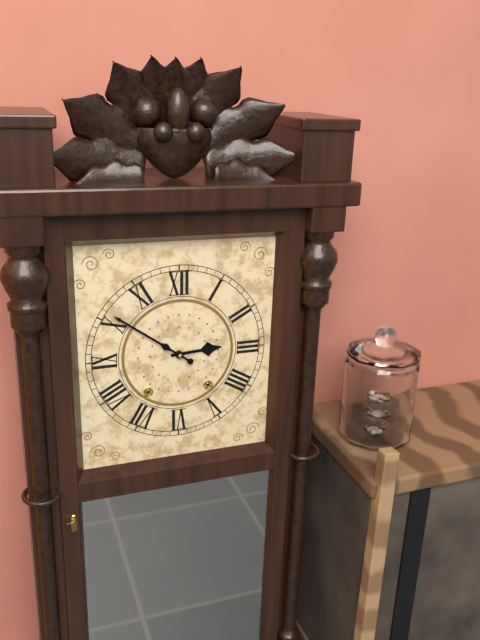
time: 2:51
